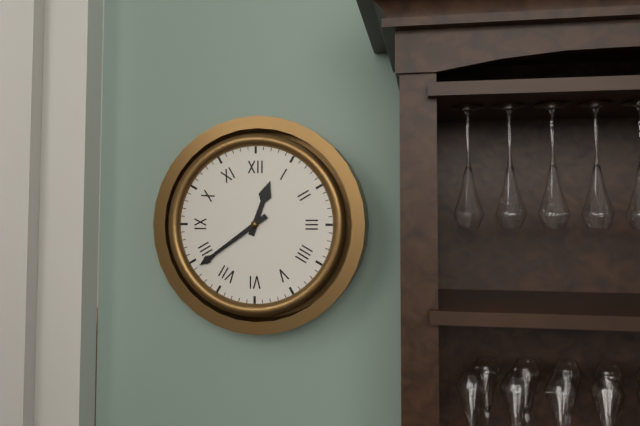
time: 12:39
